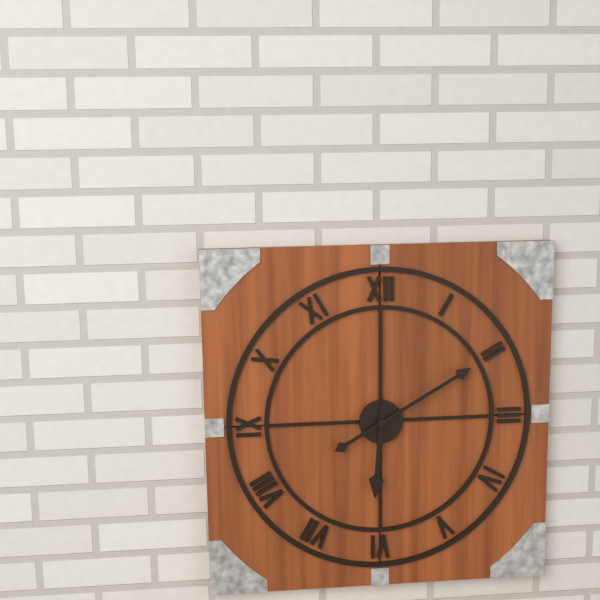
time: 6:10
